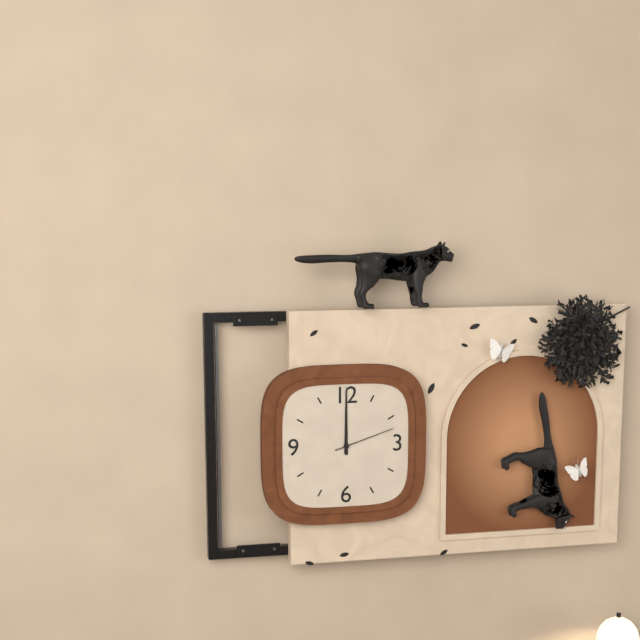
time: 12:00:12
